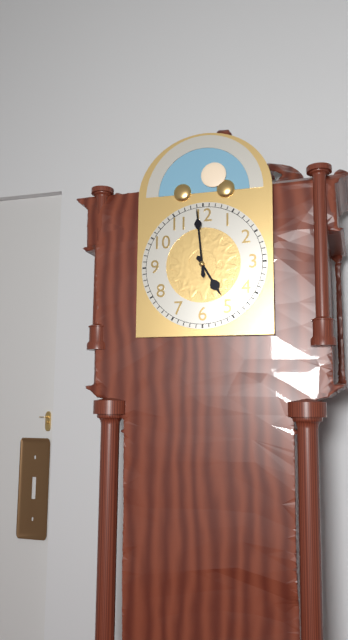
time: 4:59
